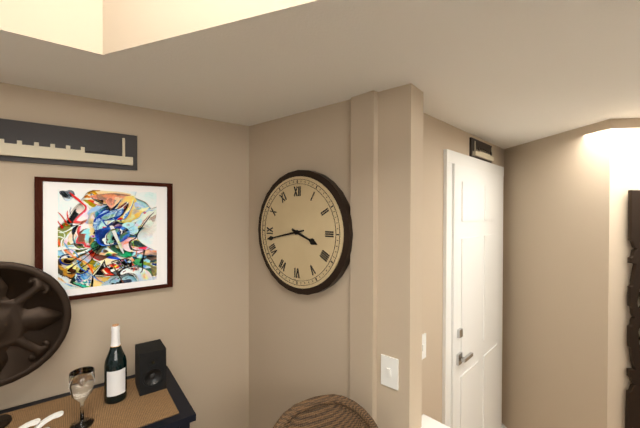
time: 3:43
